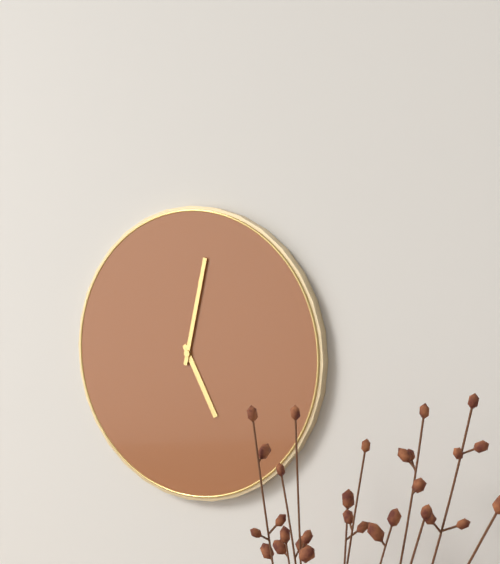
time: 5:02
